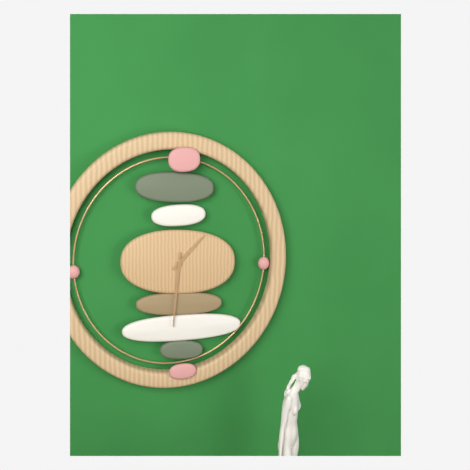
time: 1:31
